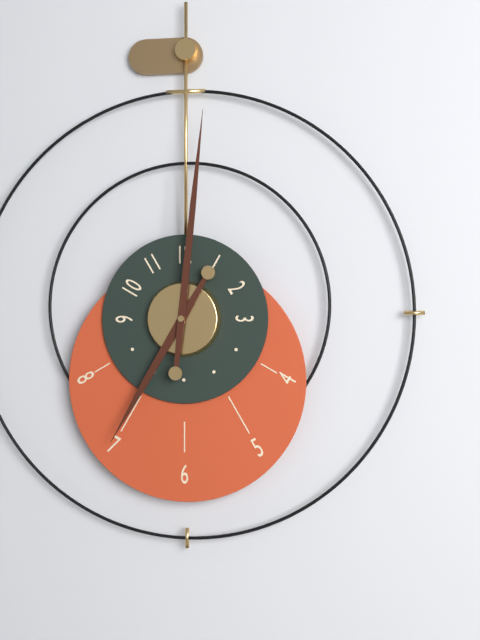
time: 7:01
